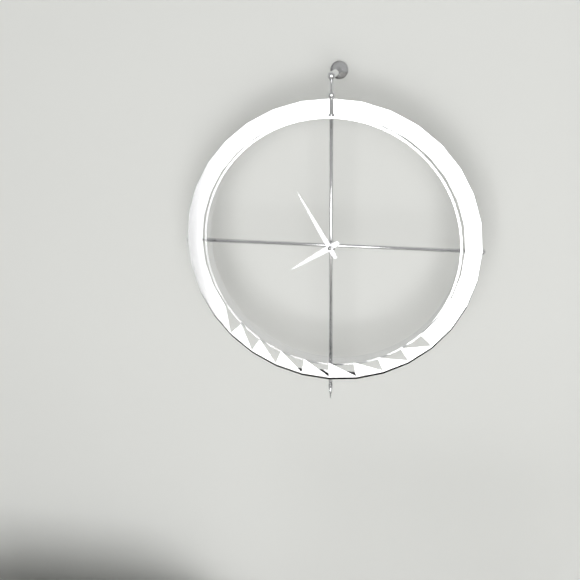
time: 7:55
